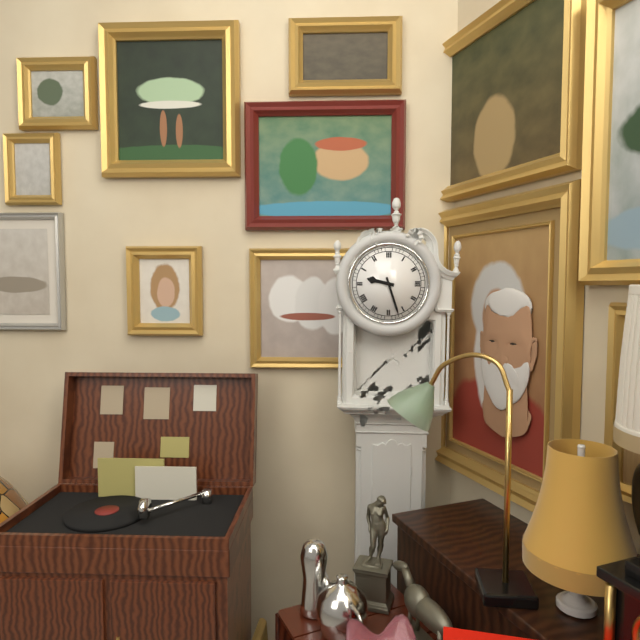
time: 9:27
